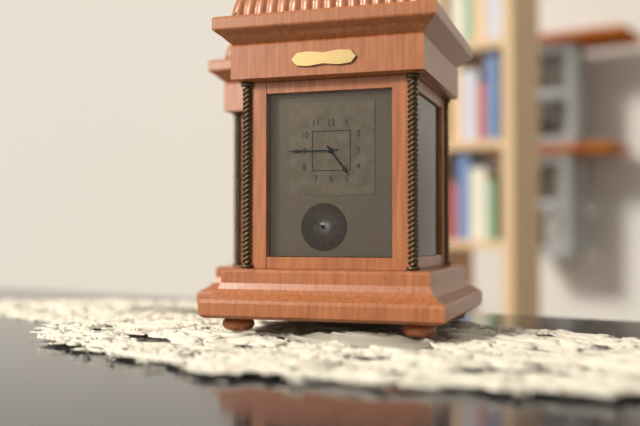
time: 4:45
